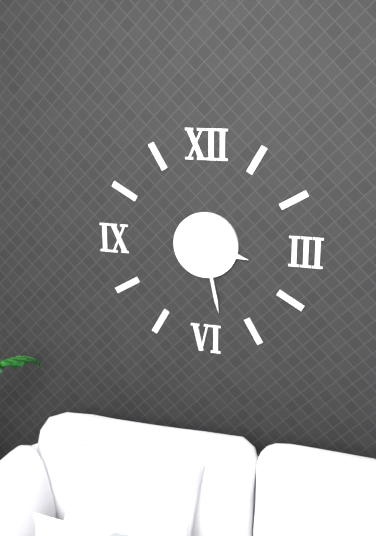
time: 3:28
